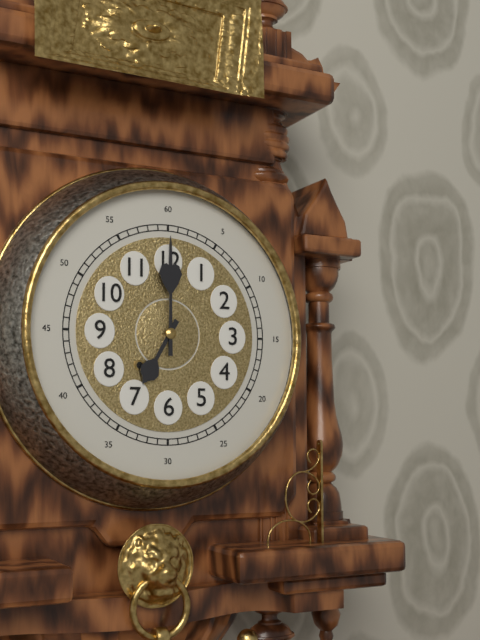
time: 7:00
